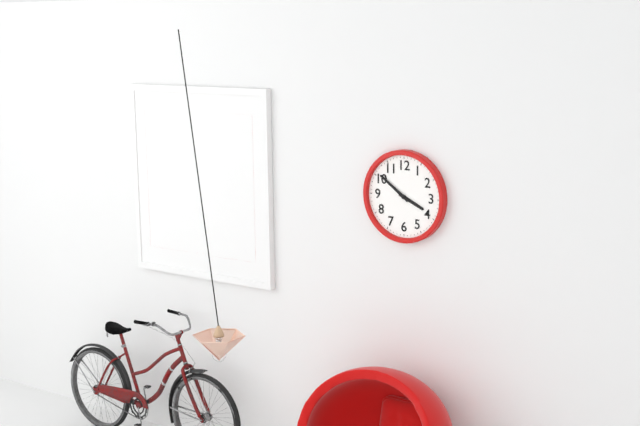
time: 3:51
